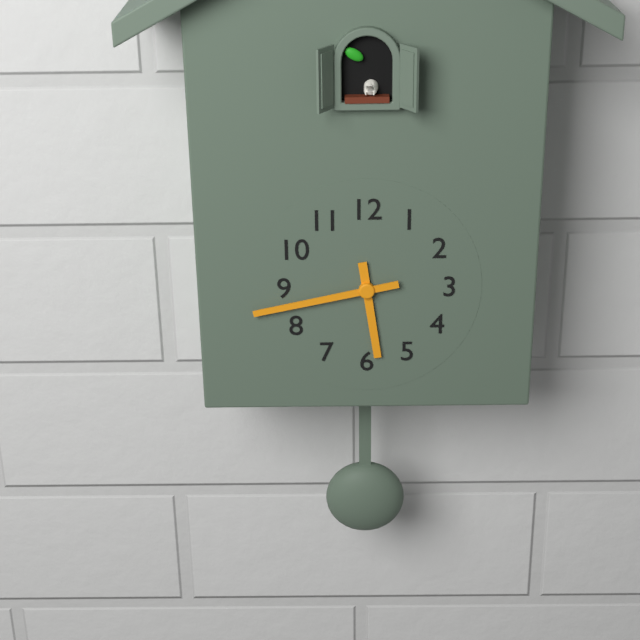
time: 5:43
